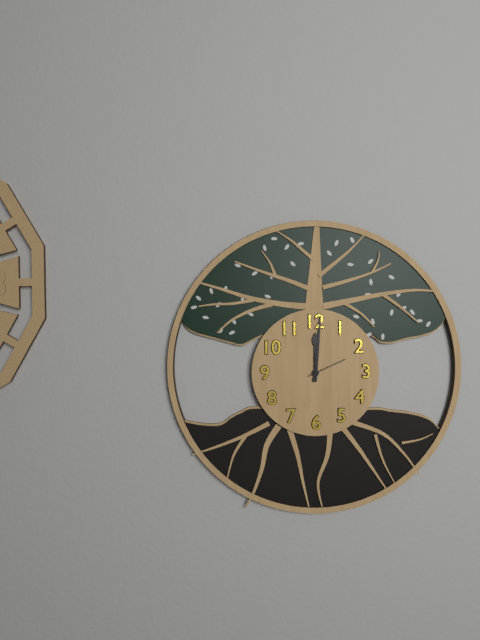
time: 12:01
